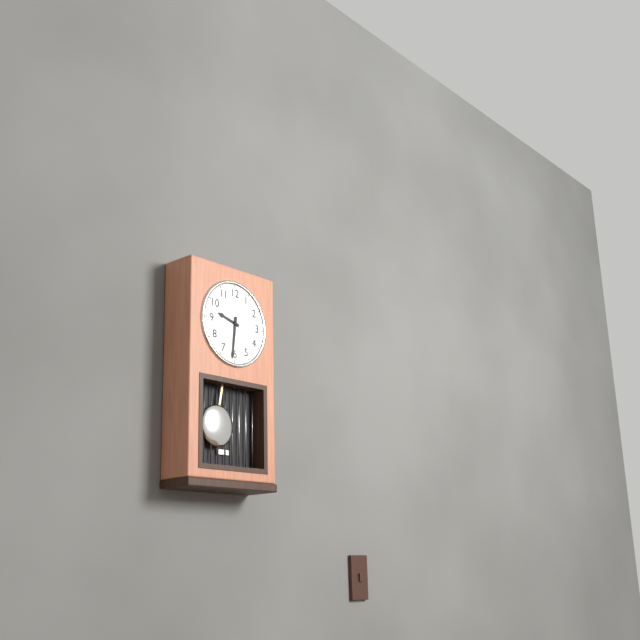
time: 9:31
